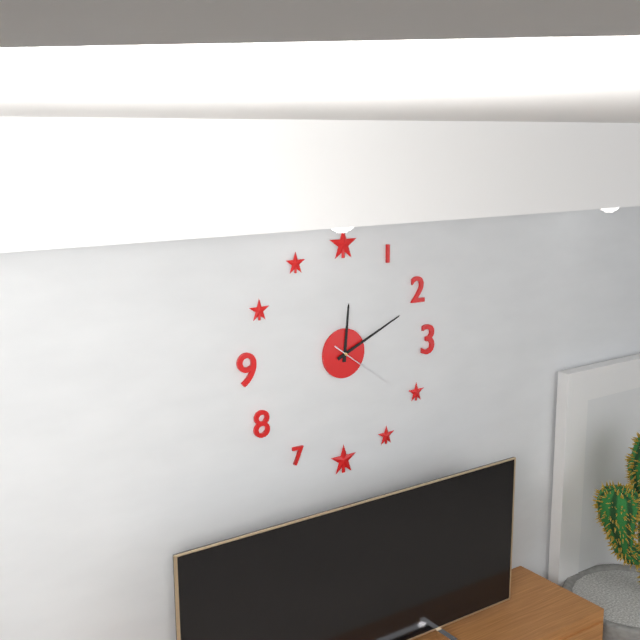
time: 12:11:21
